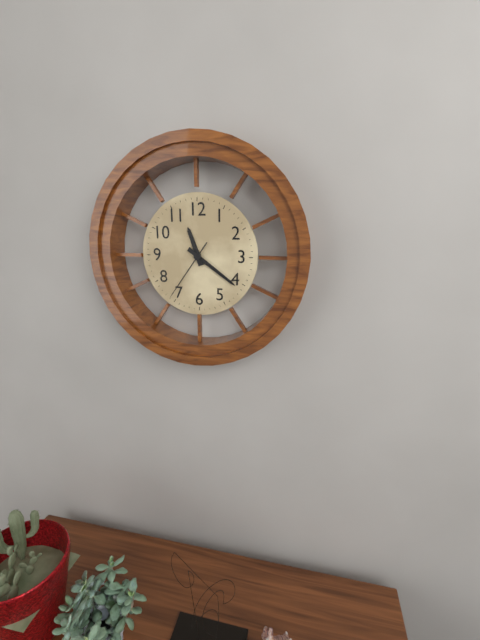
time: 11:21:36
